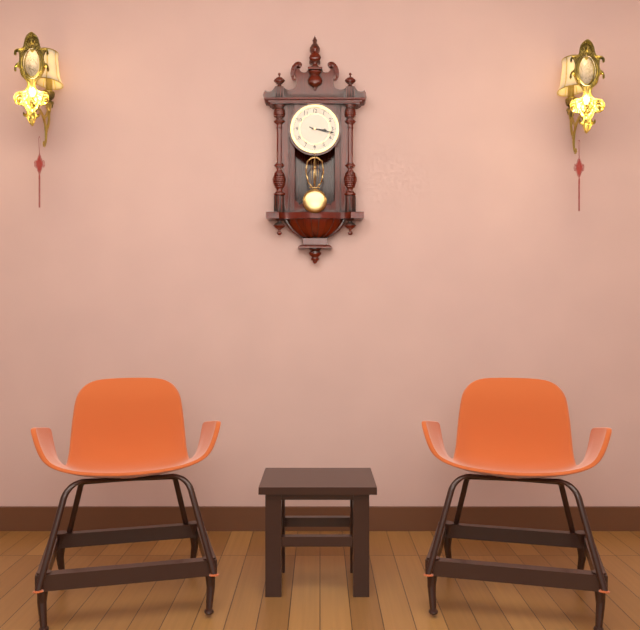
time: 3:17
